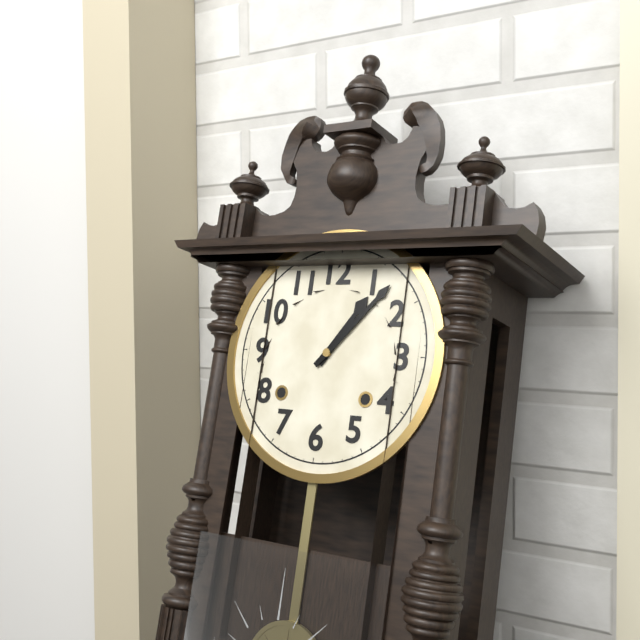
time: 1:07
